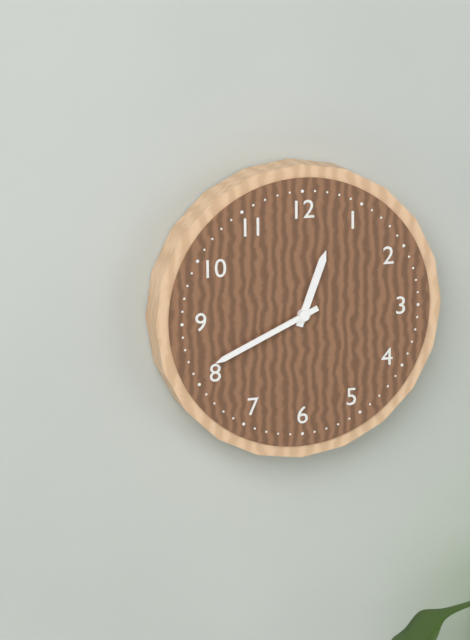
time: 12:41
